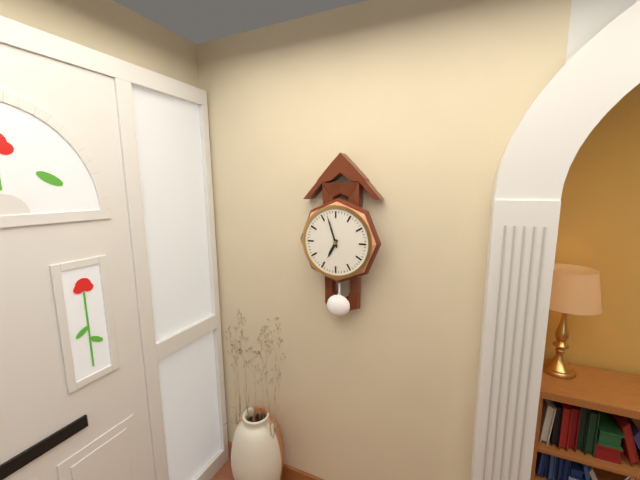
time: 6:57
